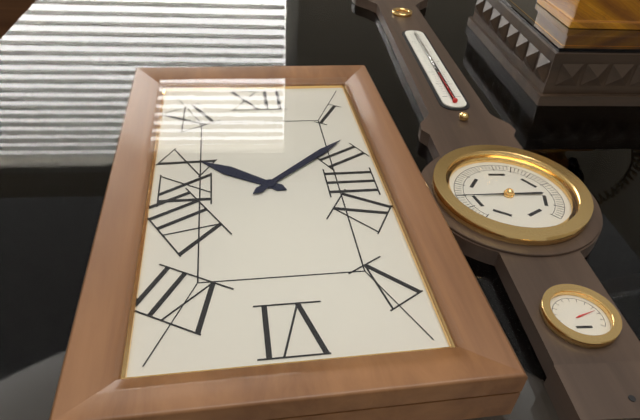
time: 10:08
